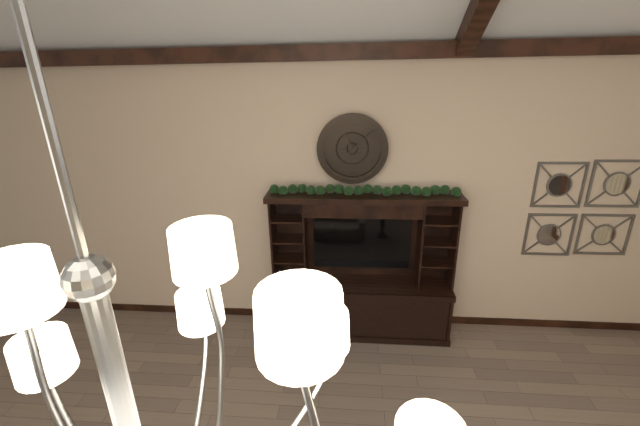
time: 11:08
